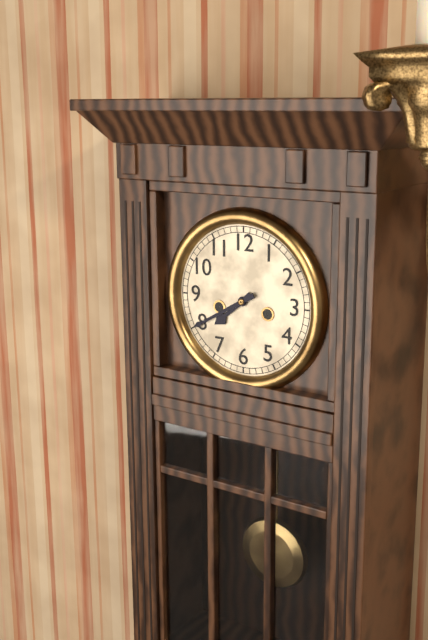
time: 7:40
